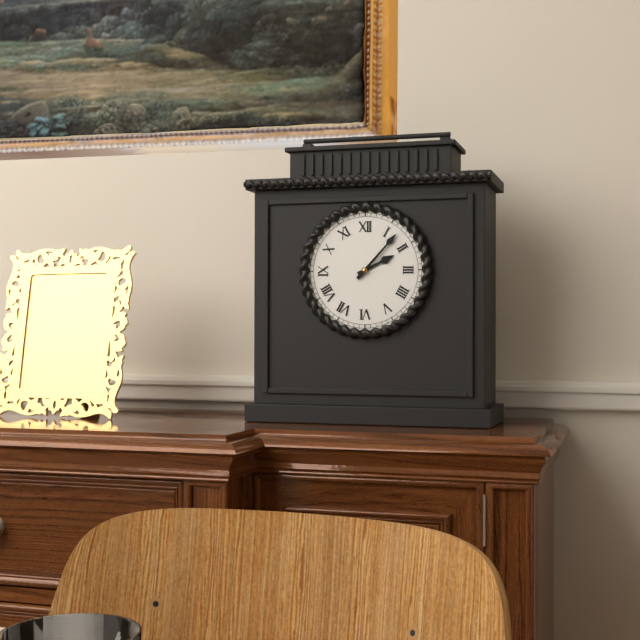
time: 2:07
